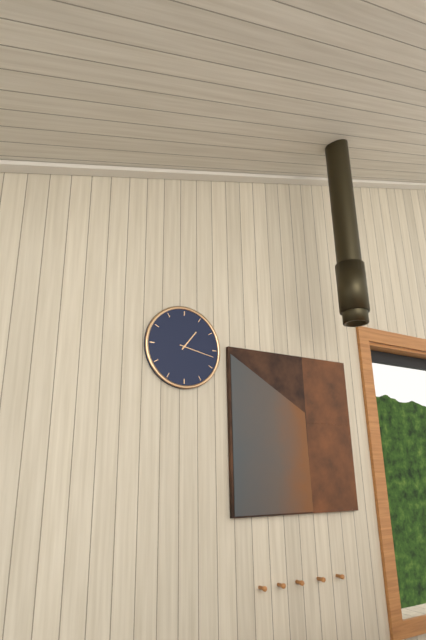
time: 1:17
